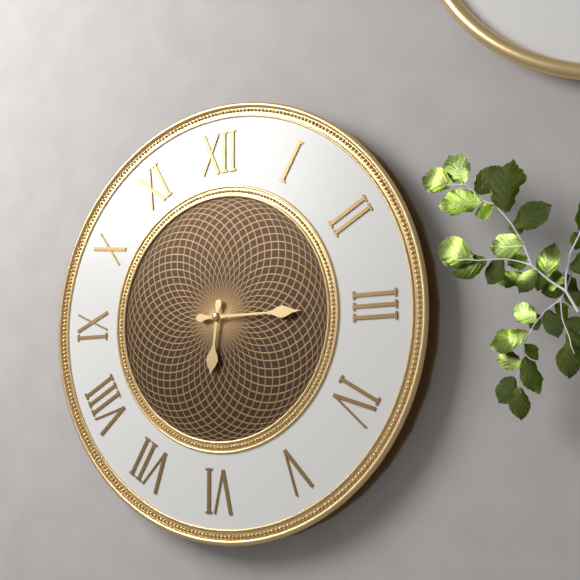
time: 6:15
